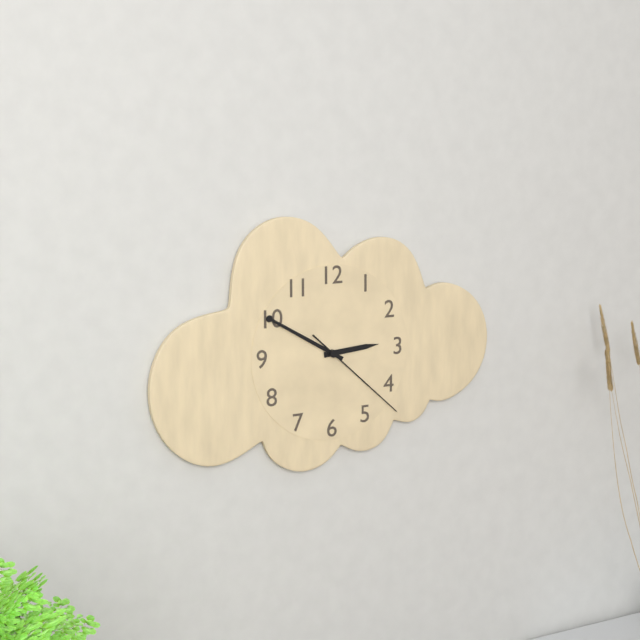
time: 2:50:22
